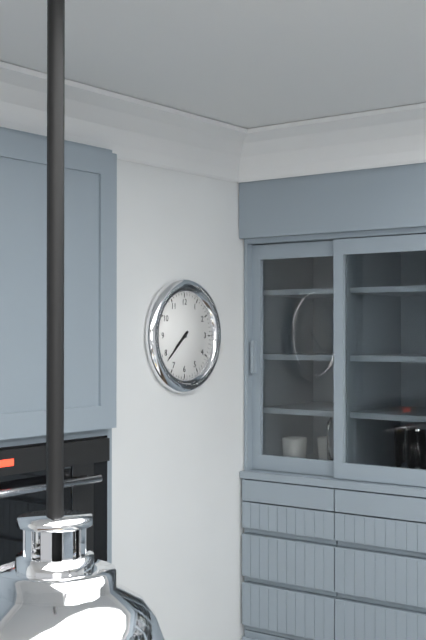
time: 7:38
